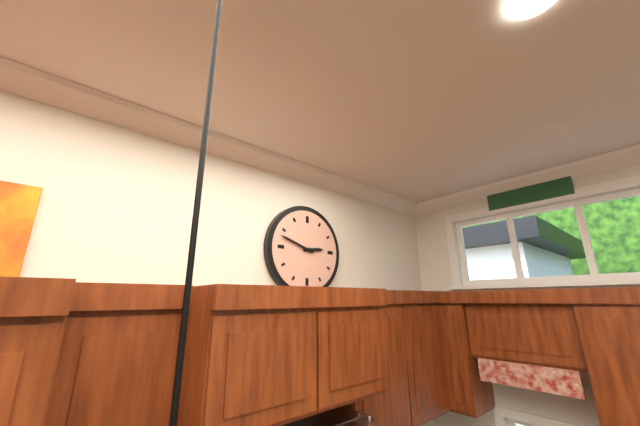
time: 2:48
